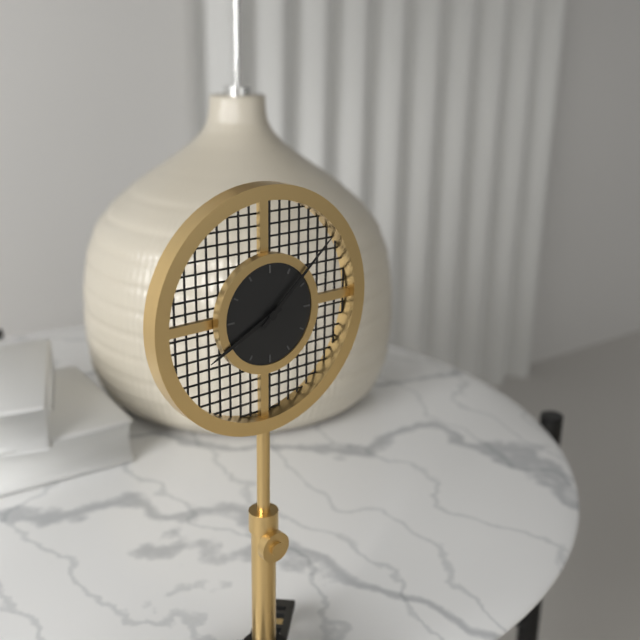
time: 8:08
